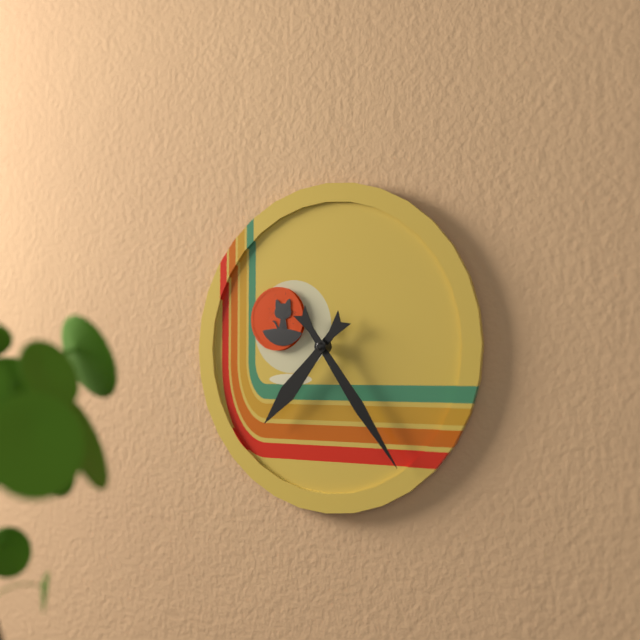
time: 7:24
